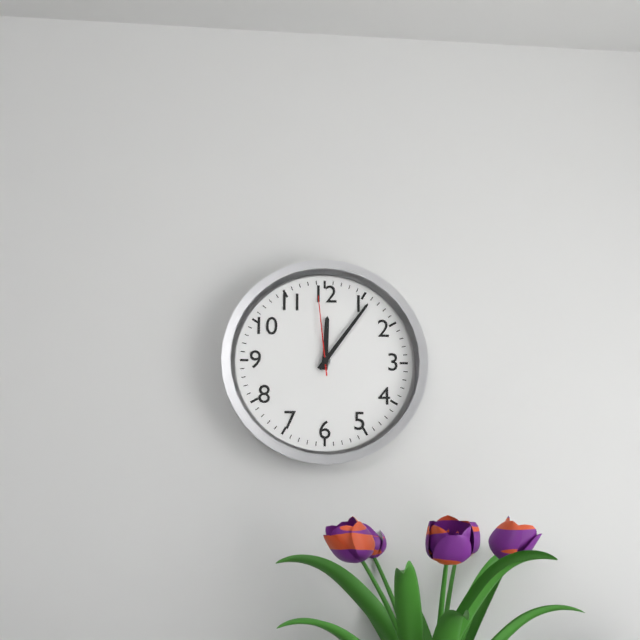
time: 12:06:59
